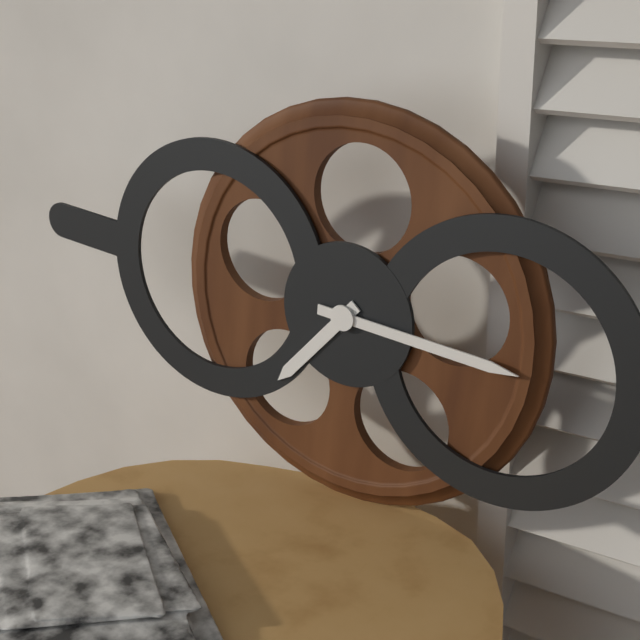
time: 7:15
